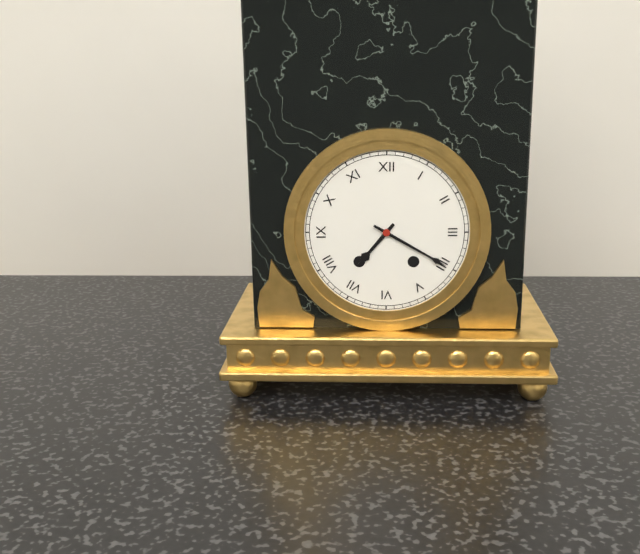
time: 7:20
